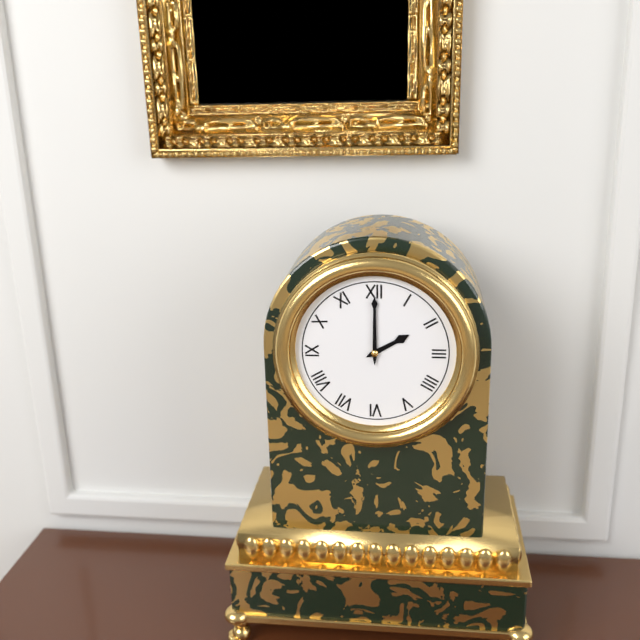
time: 2:00
